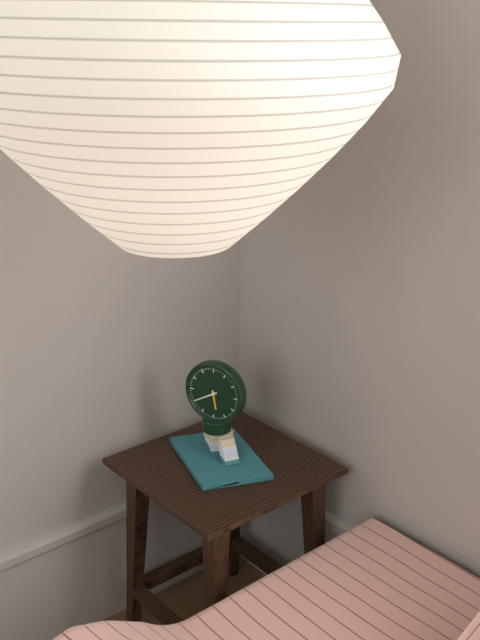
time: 5:40
